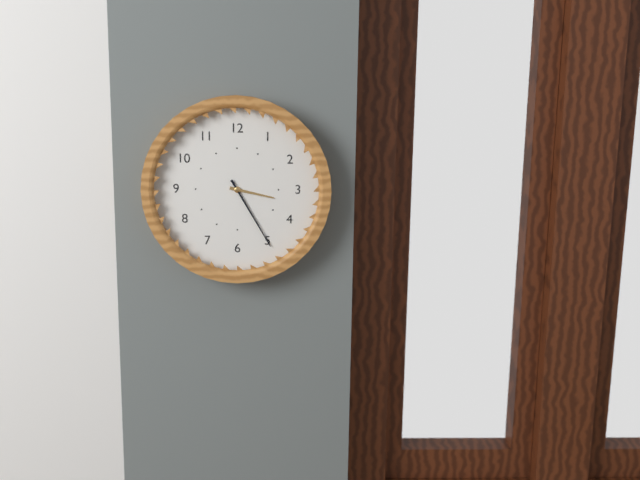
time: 3:25
